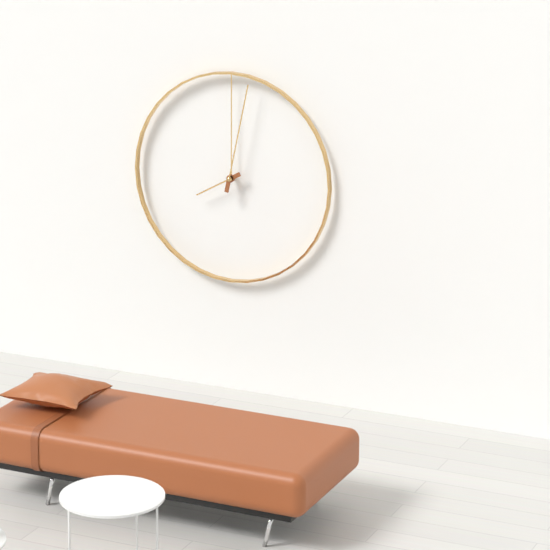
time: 8:02
